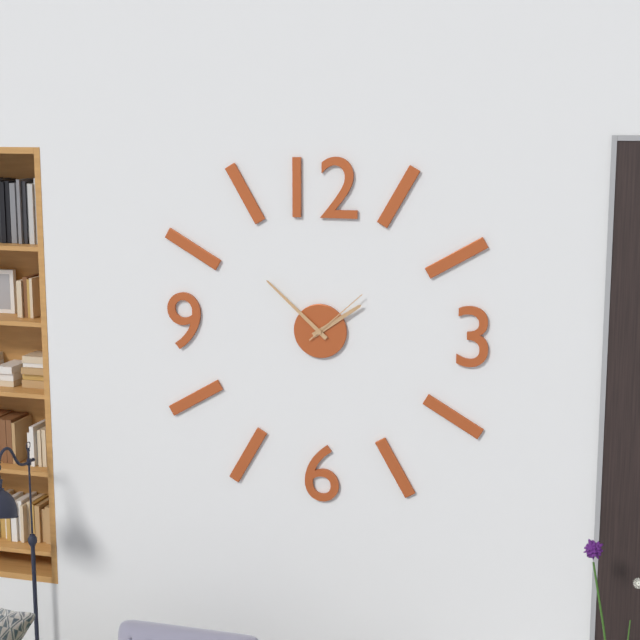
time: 1:52:08
